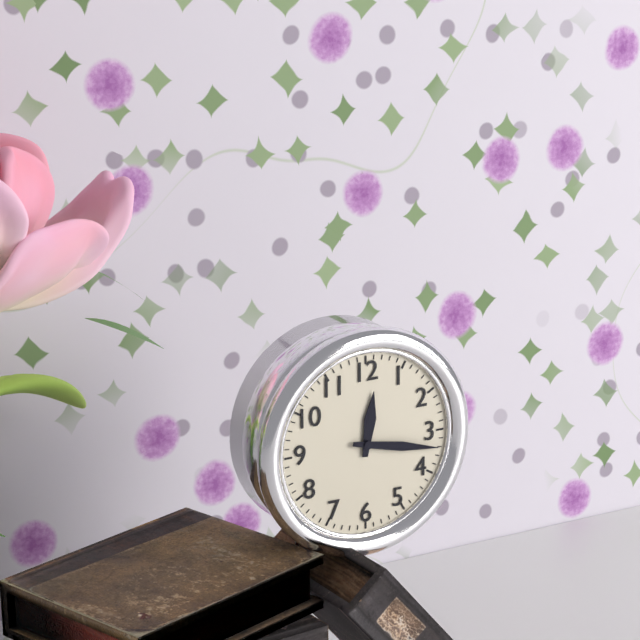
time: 12:17
